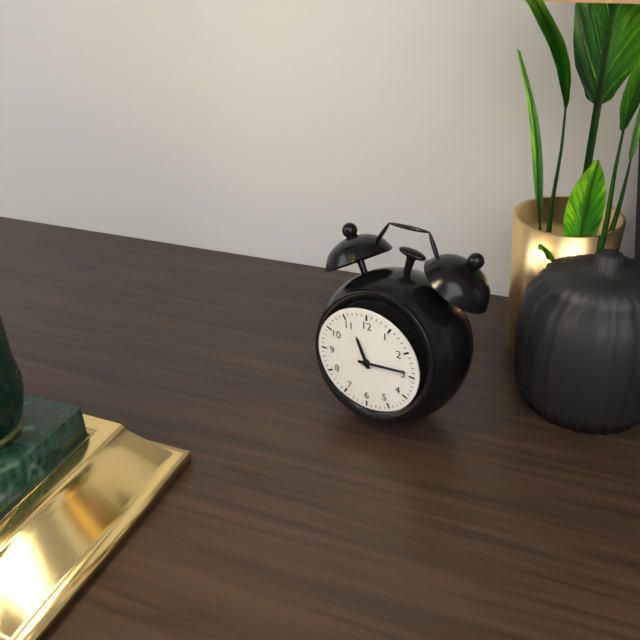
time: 11:14
